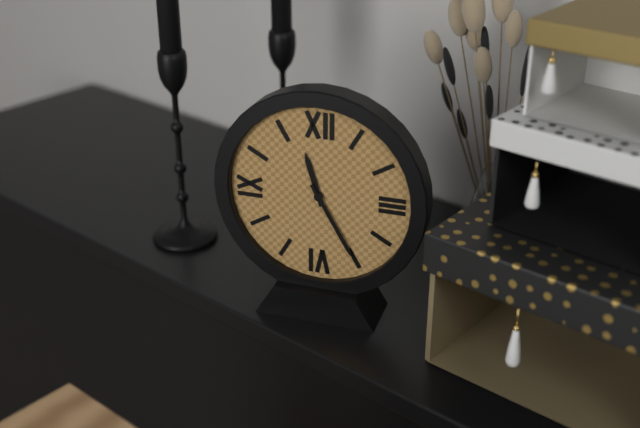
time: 11:25
